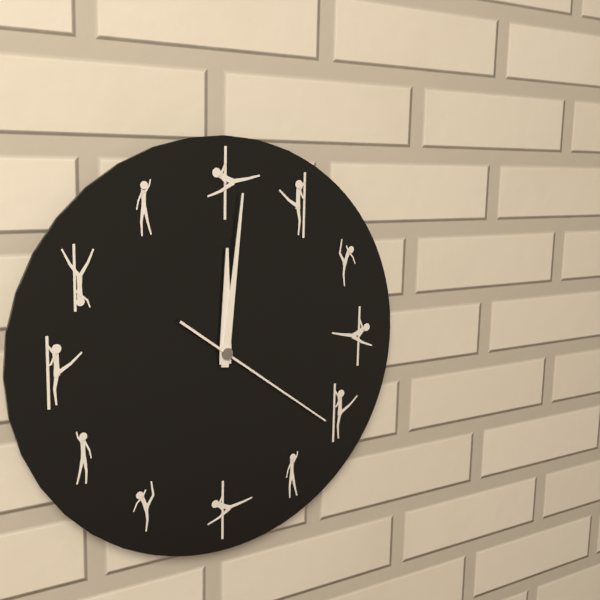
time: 12:01:21
